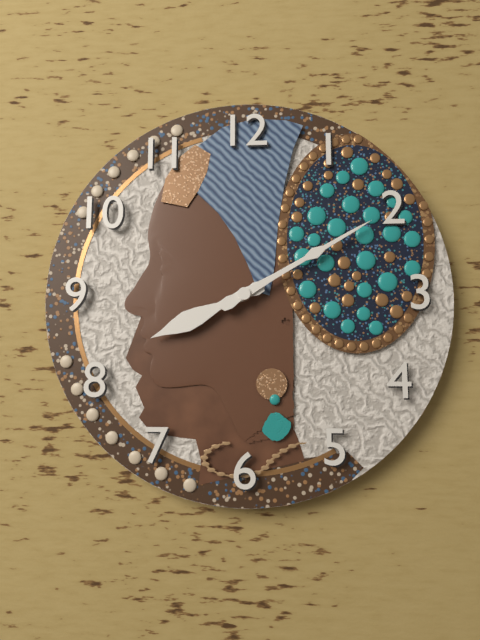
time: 8:10
